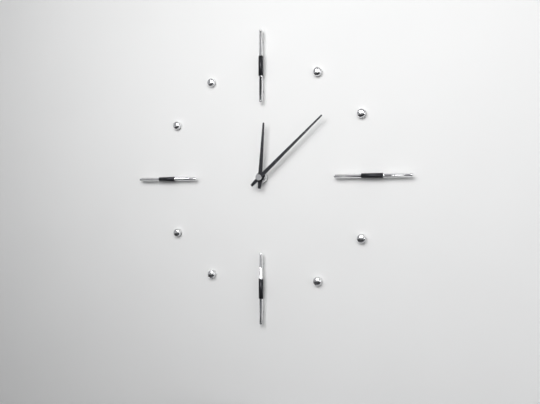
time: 12:08
